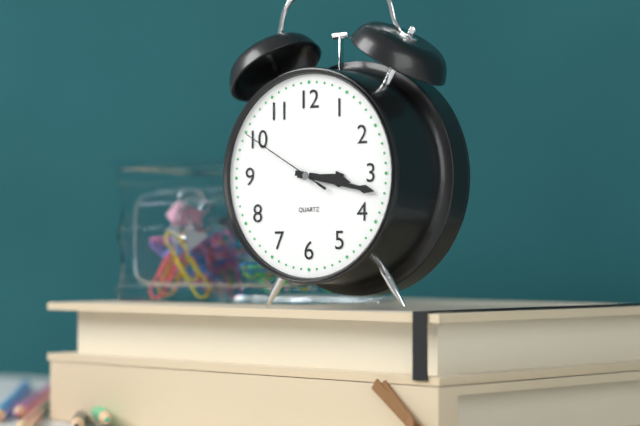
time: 3:17:50
